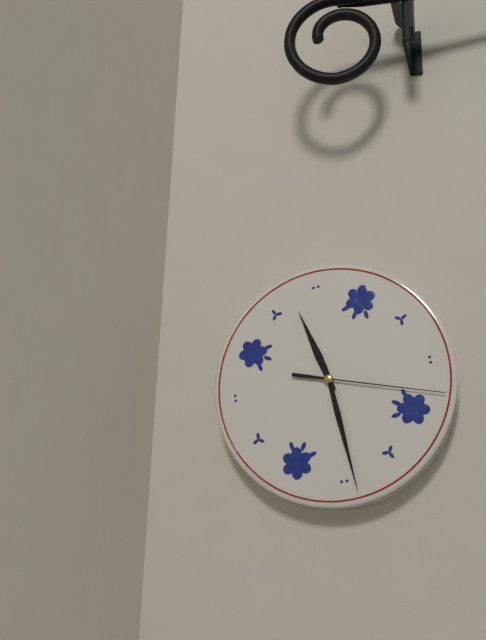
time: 11:29:18
